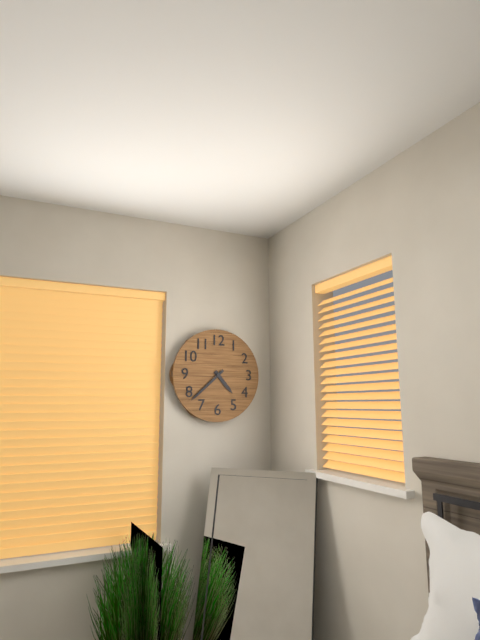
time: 4:38
